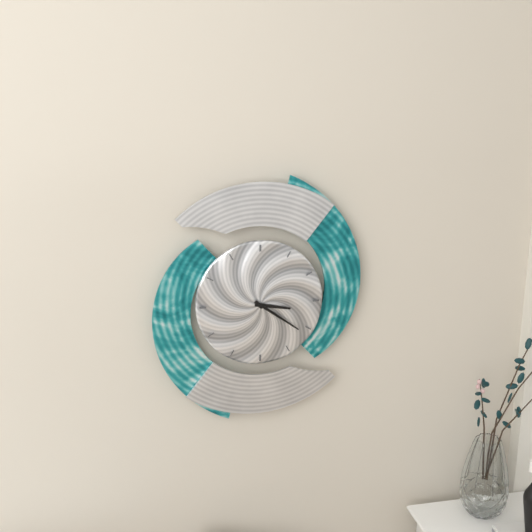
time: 3:21
